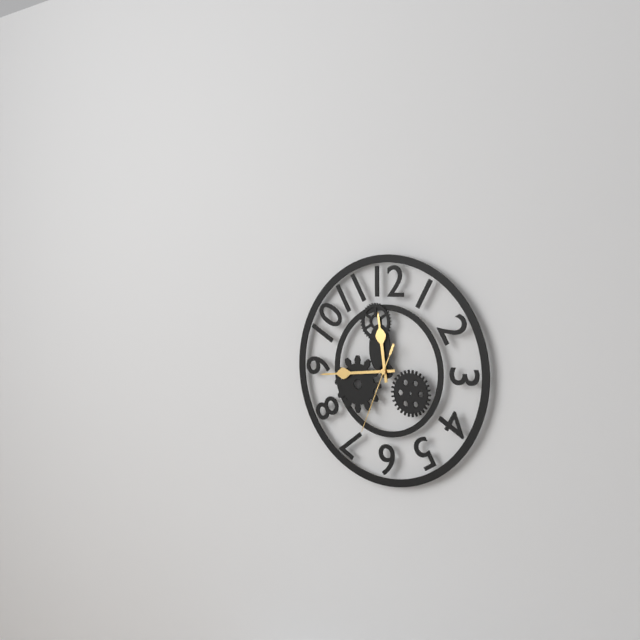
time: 11:44:34
